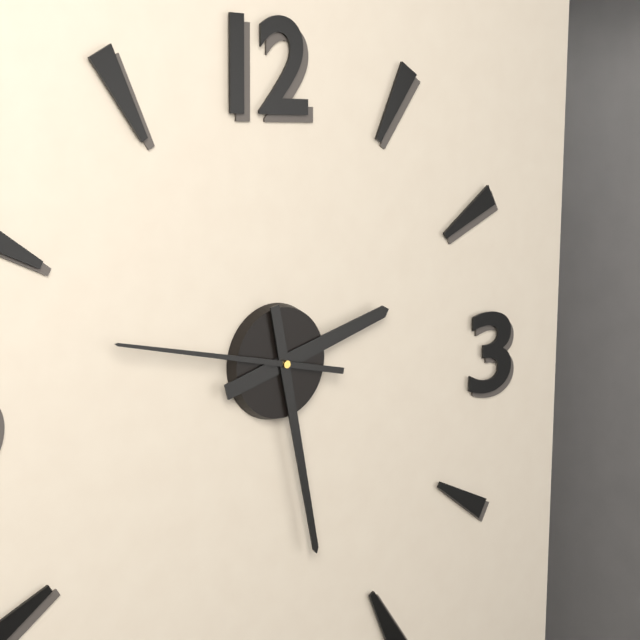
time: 2:28:47
